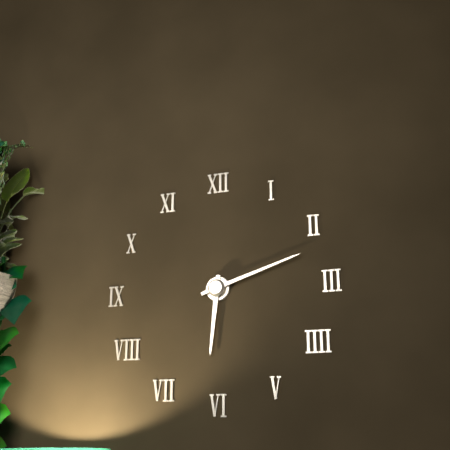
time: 6:12
